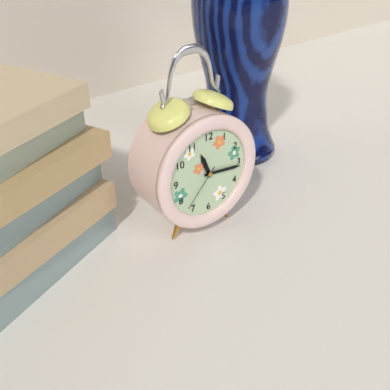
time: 11:16:37
